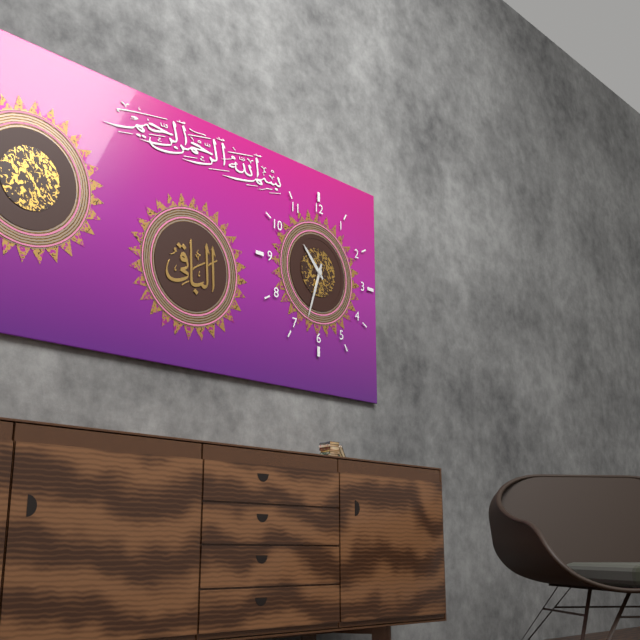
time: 10:33
